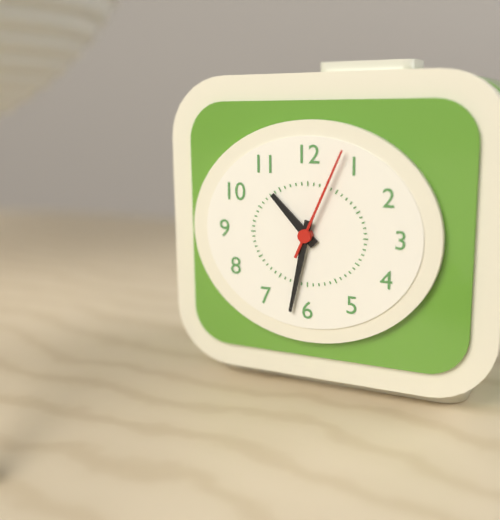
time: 10:32:04
